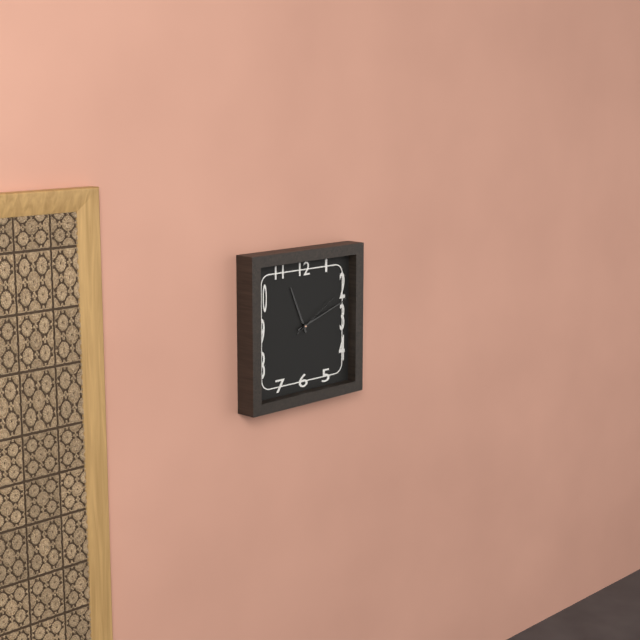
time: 11:12:10
